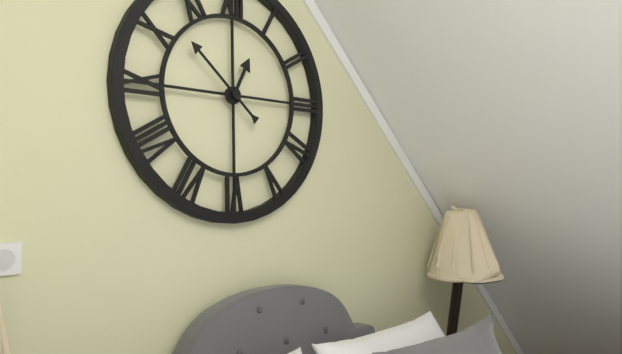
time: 12:52
